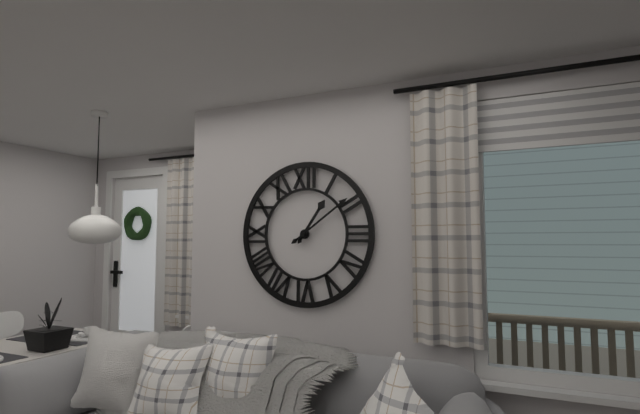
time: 1:09
